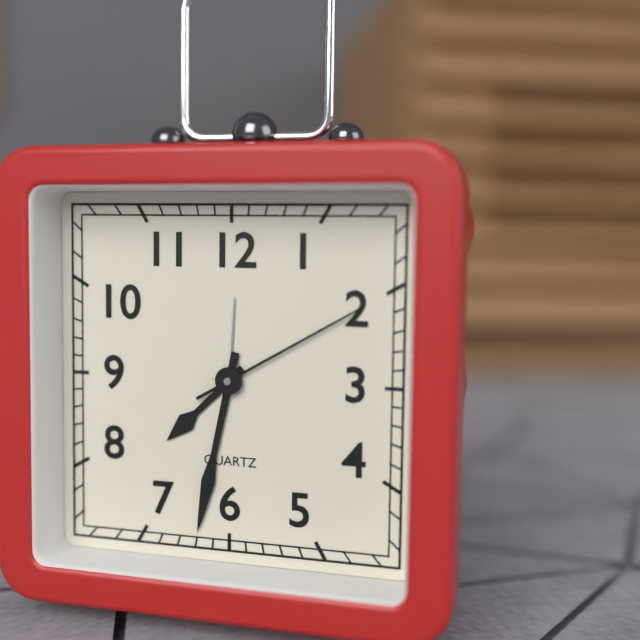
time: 7:32:10
